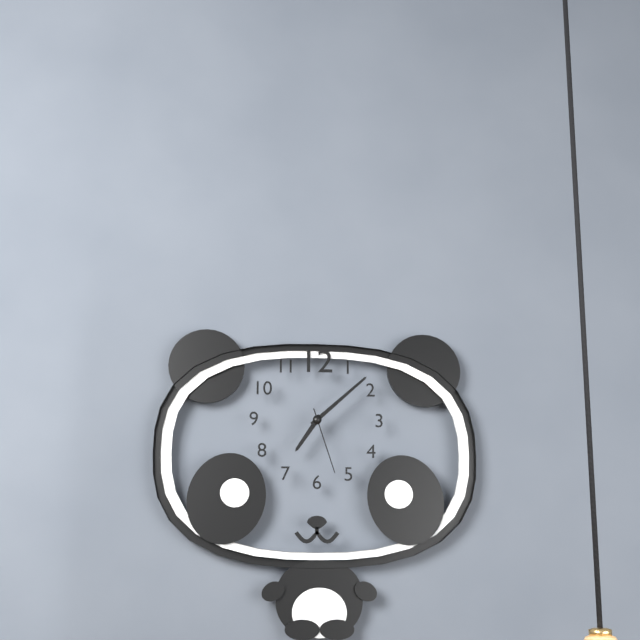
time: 7:08:27
